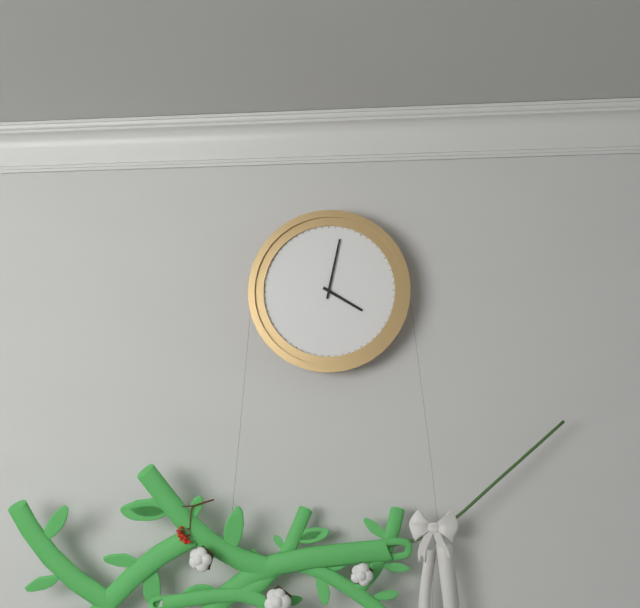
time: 4:02
